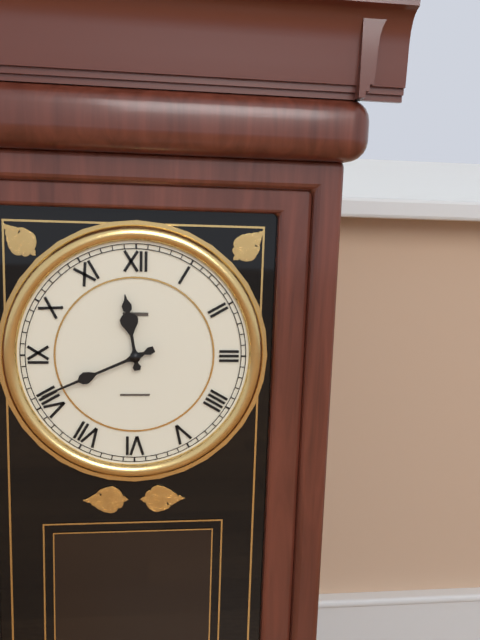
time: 11:41
